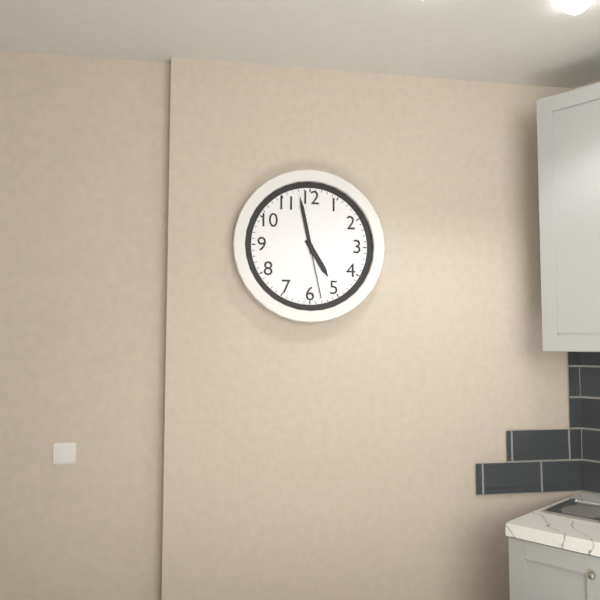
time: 4:58:28
